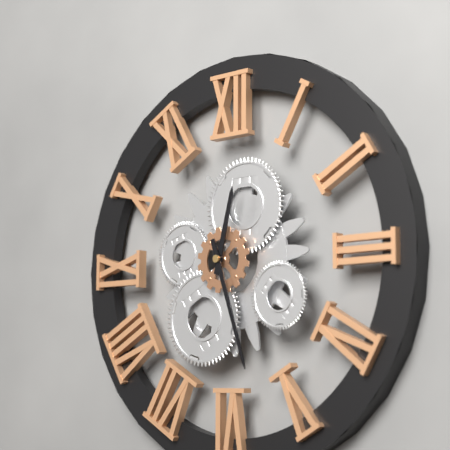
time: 12:27
